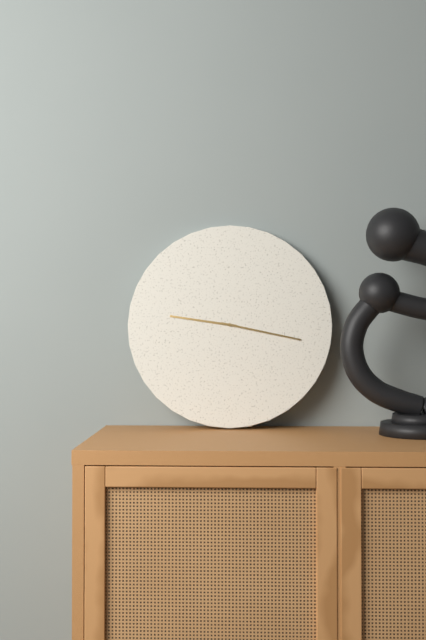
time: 9:17
